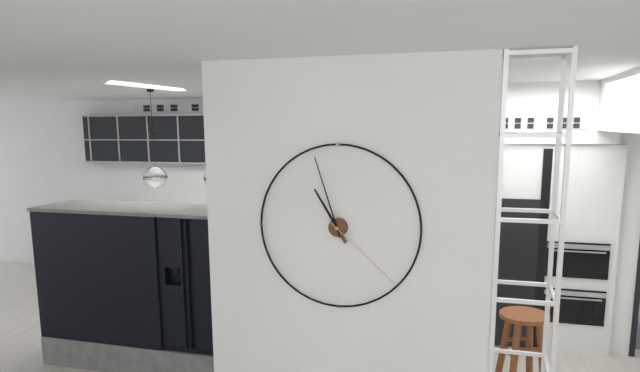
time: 10:57:22
